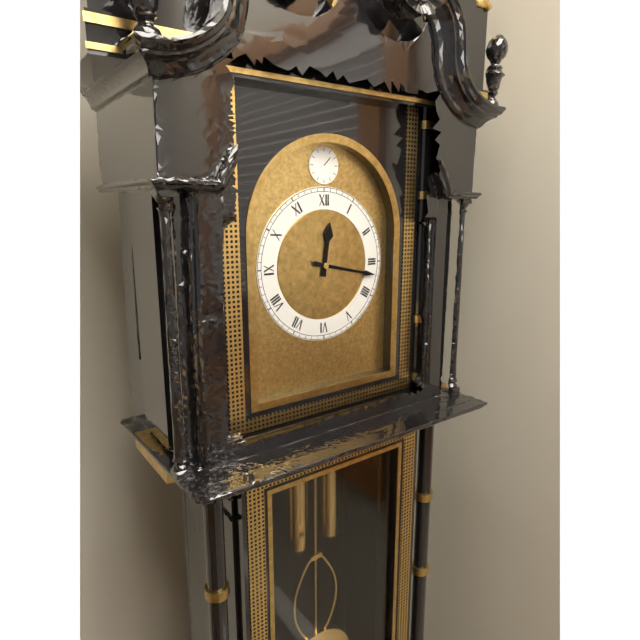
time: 12:17
